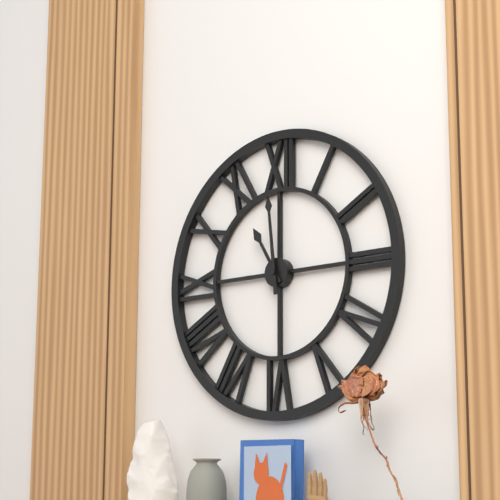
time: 10:59
